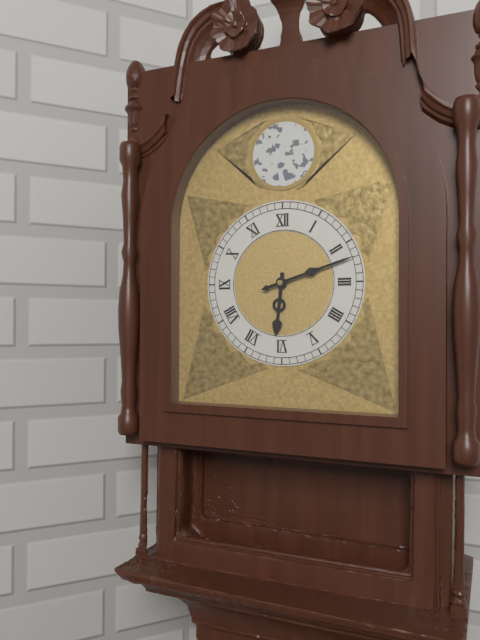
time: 6:12
